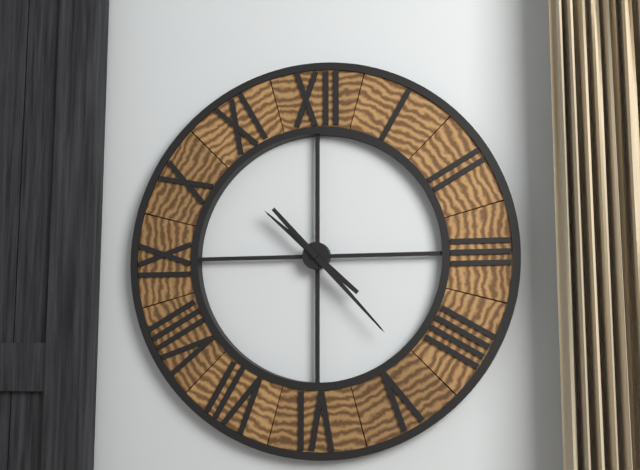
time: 10:23
